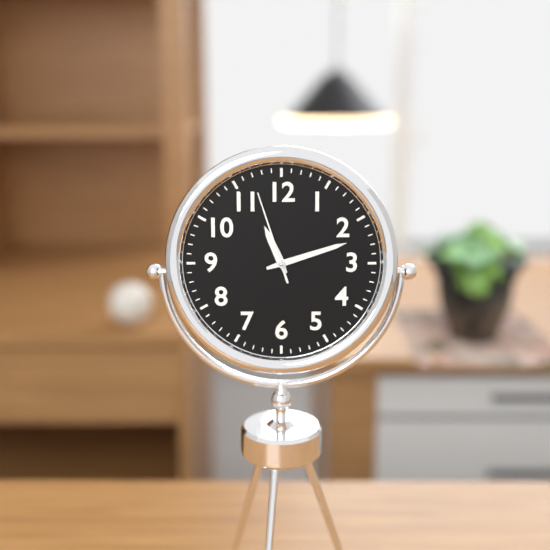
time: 11:12:57
